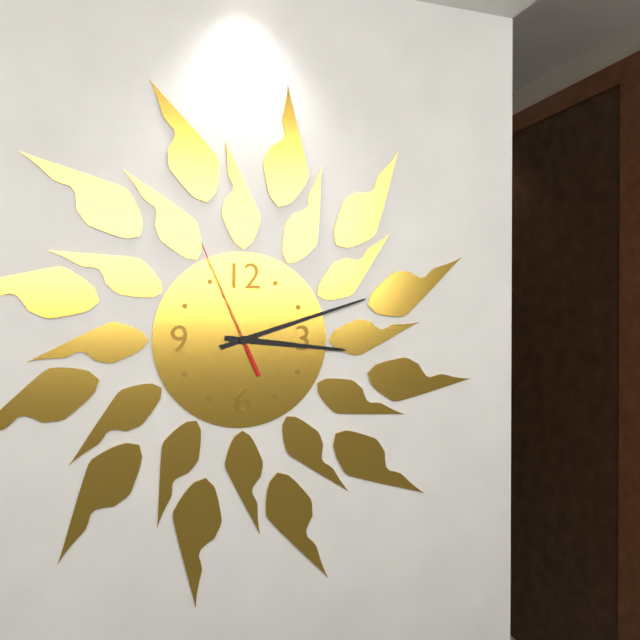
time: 3:12:56
